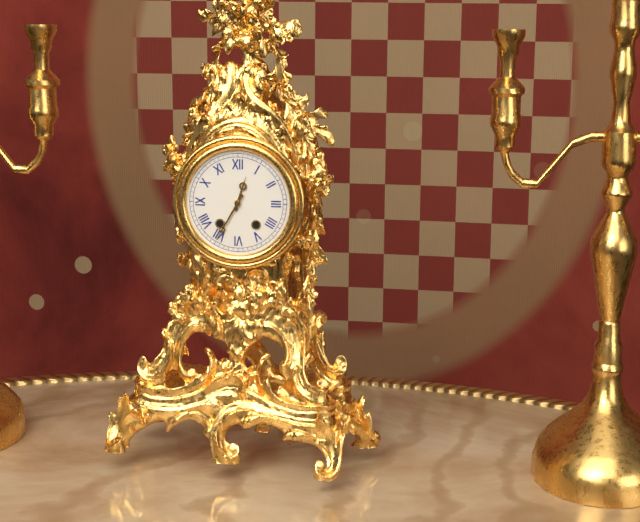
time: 12:35
